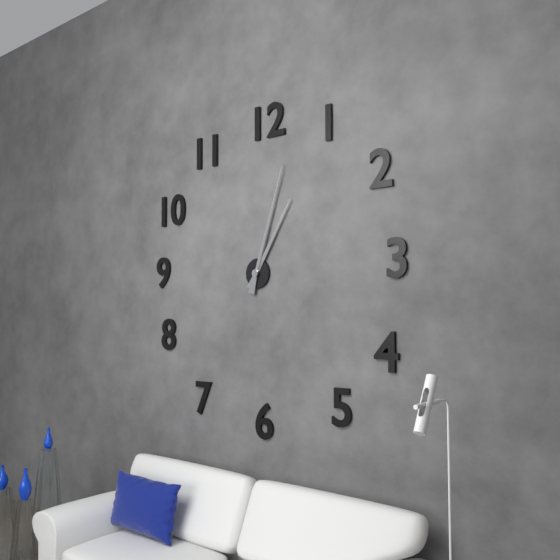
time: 1:03
